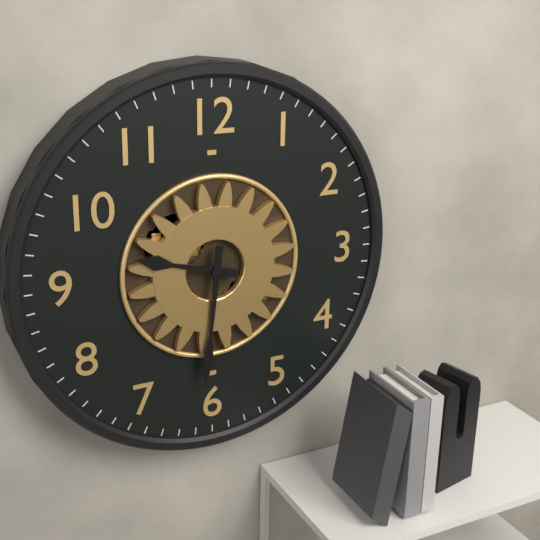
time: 9:31
